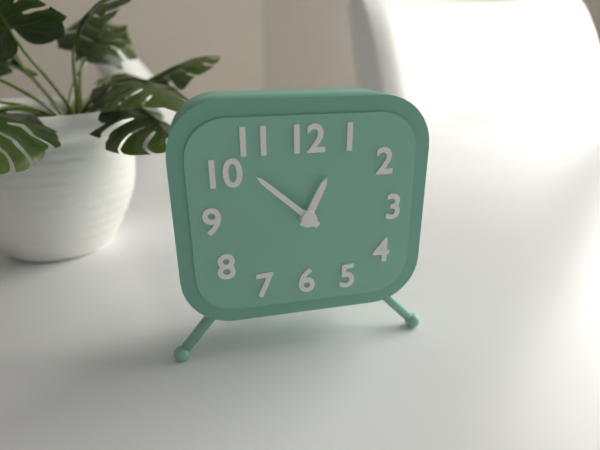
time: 12:52
